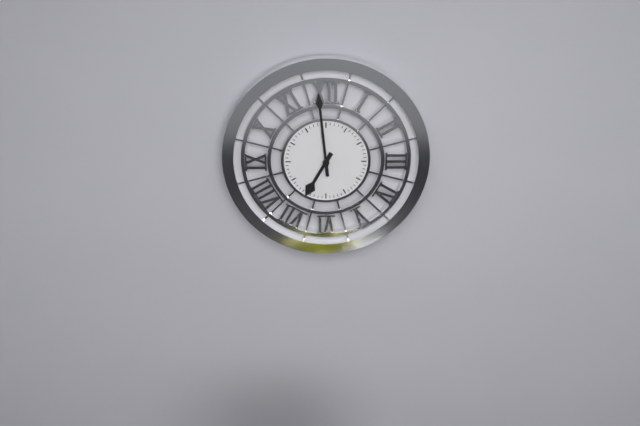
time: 6:59
